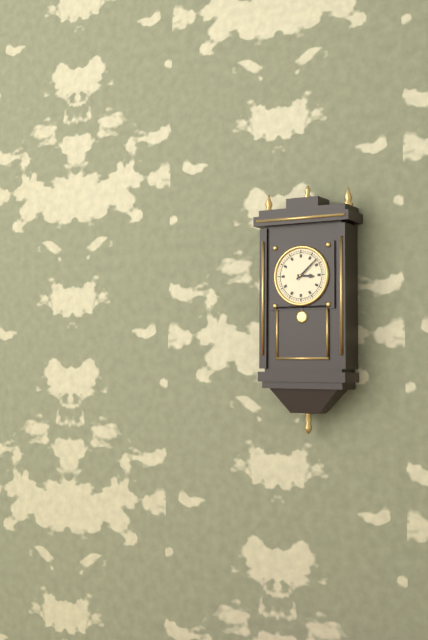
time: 3:08
